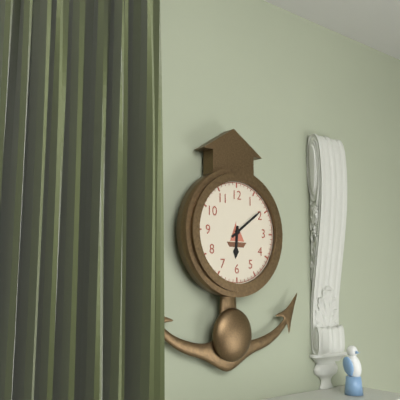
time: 6:09
